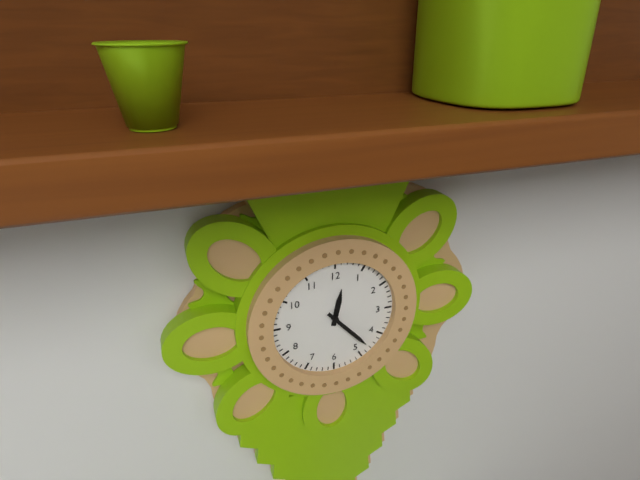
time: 12:23
